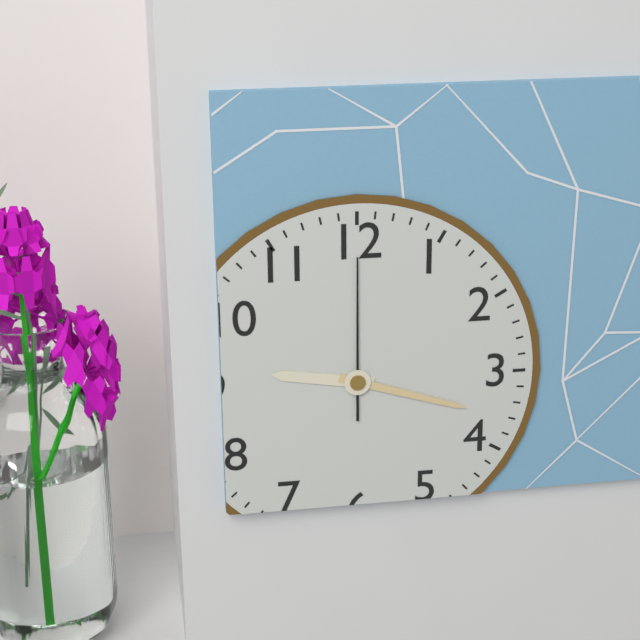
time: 9:18:00
